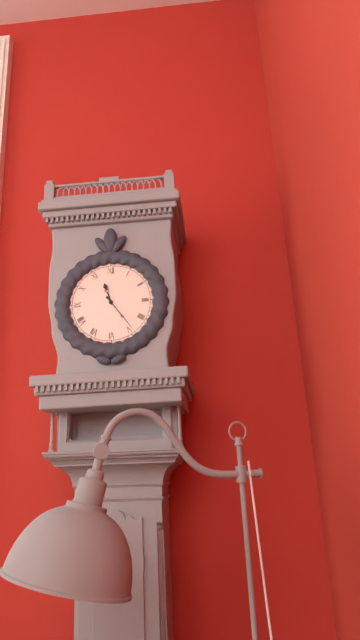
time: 11:24
